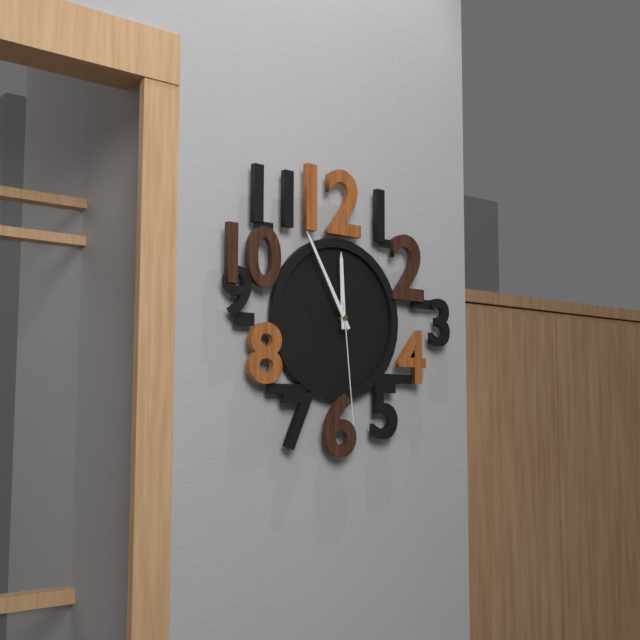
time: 11:55:29
